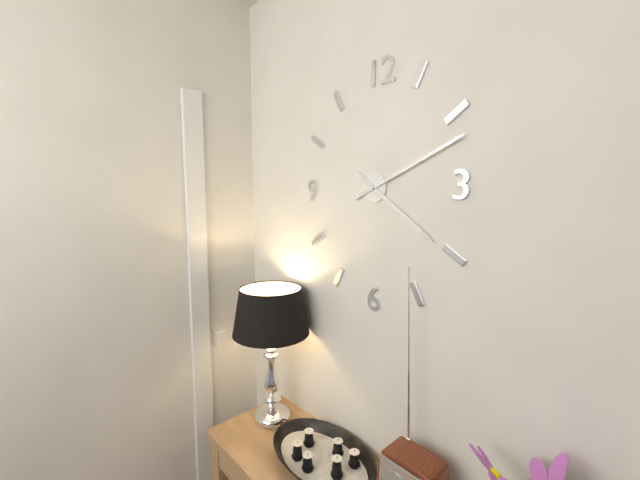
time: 4:11
